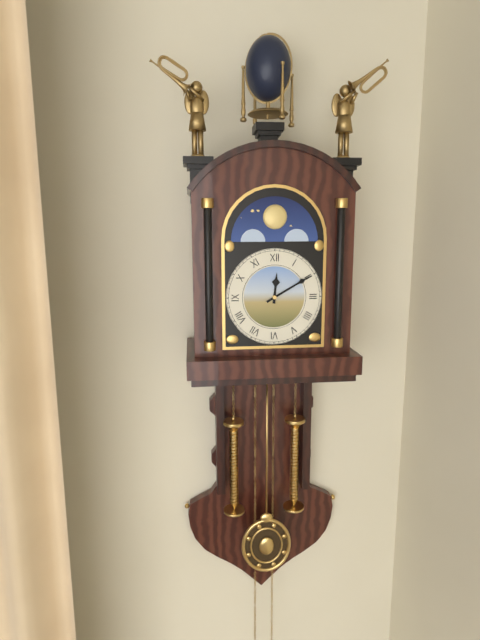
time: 12:10
